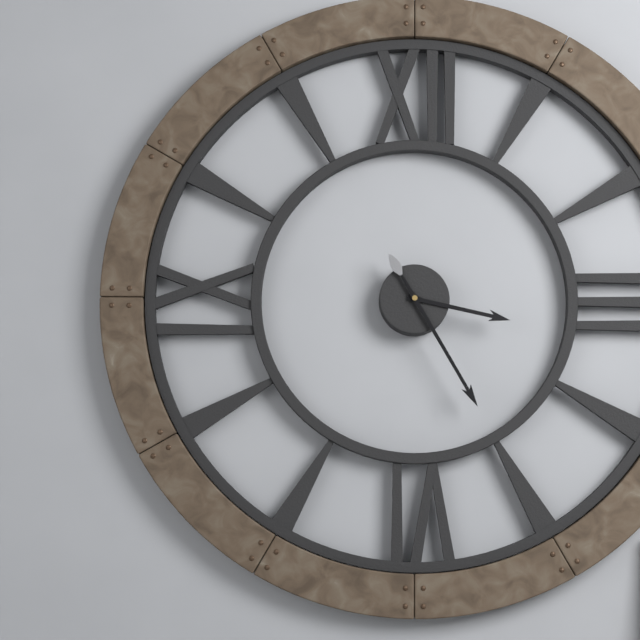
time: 3:25
